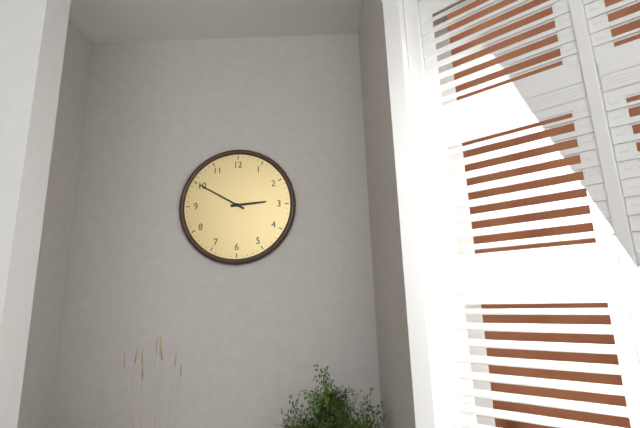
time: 2:50
